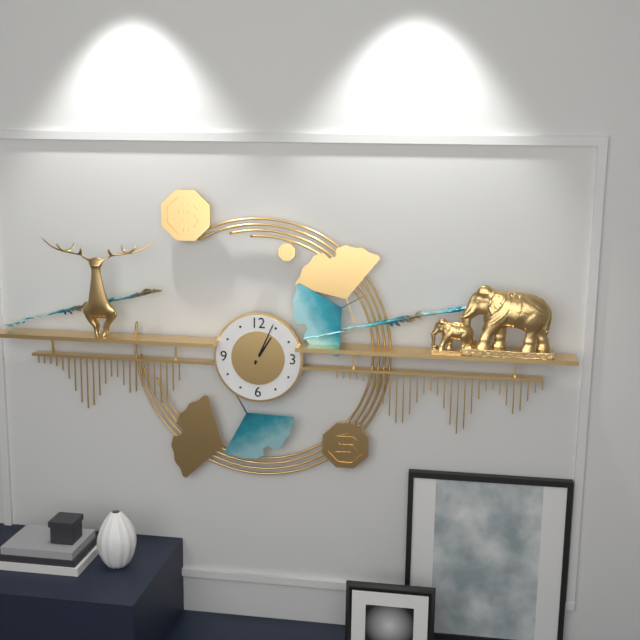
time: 1:04
